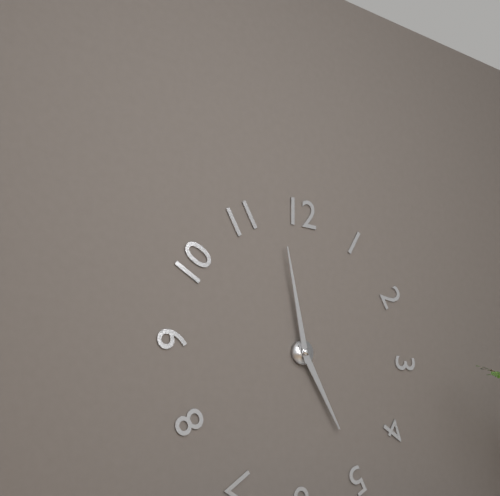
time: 4:58
